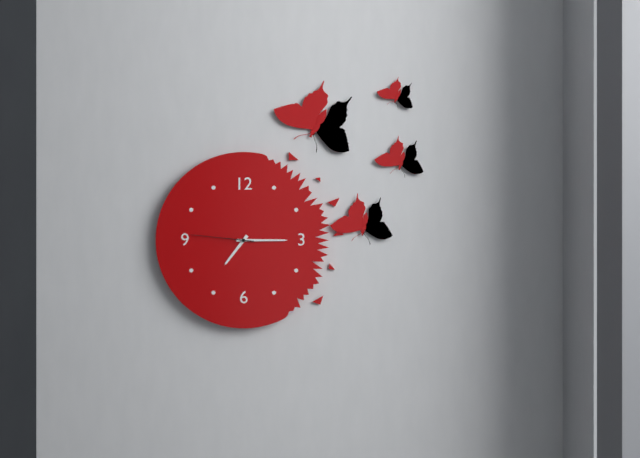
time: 7:15:46
